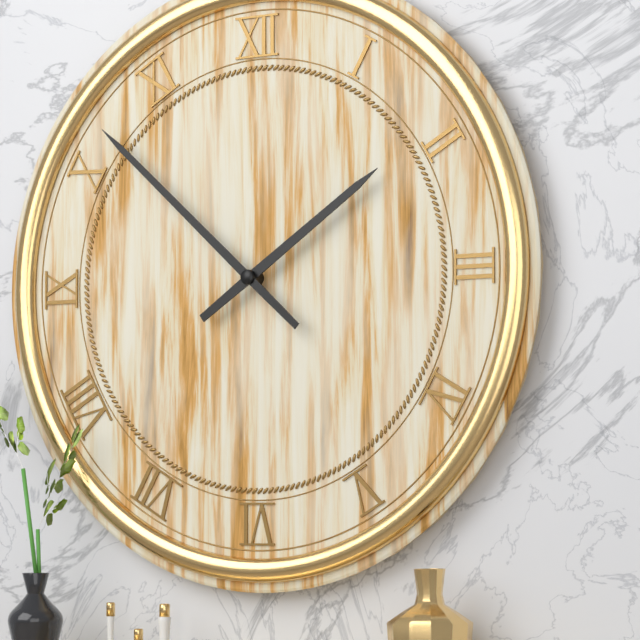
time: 1:52
